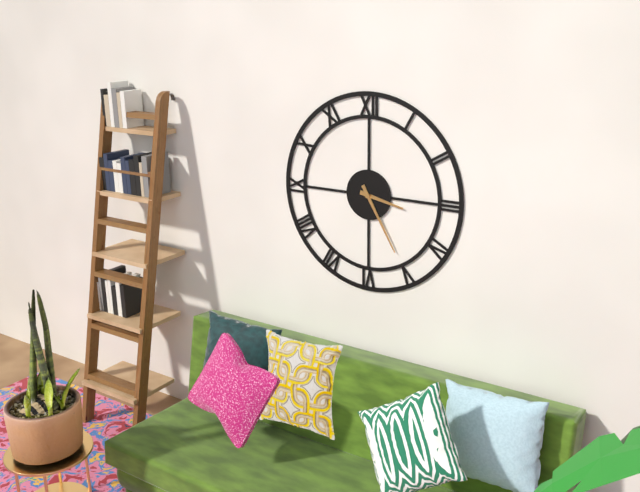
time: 3:25
